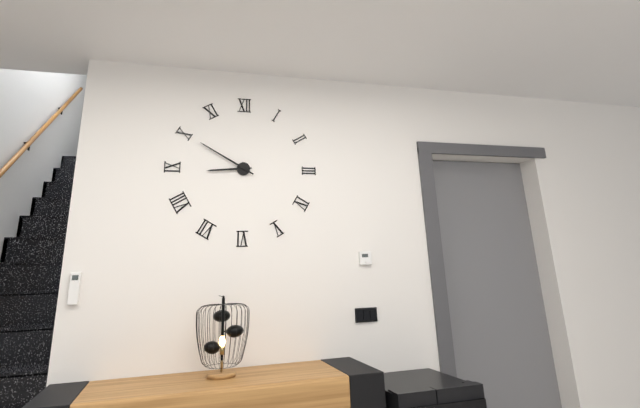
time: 8:50
